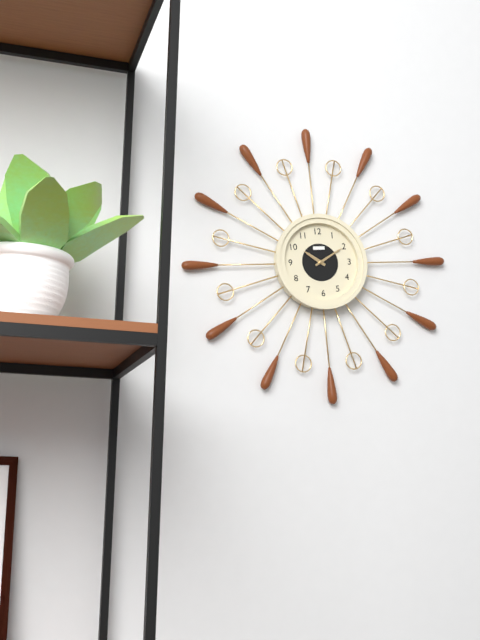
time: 10:10
